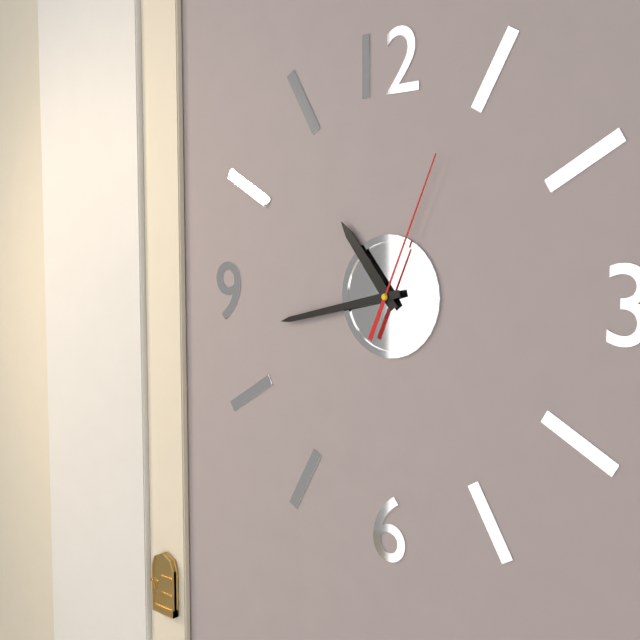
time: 10:43:04
